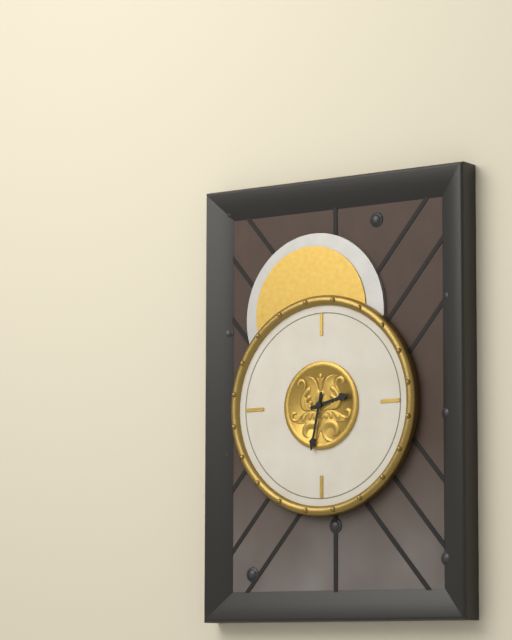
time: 2:32
